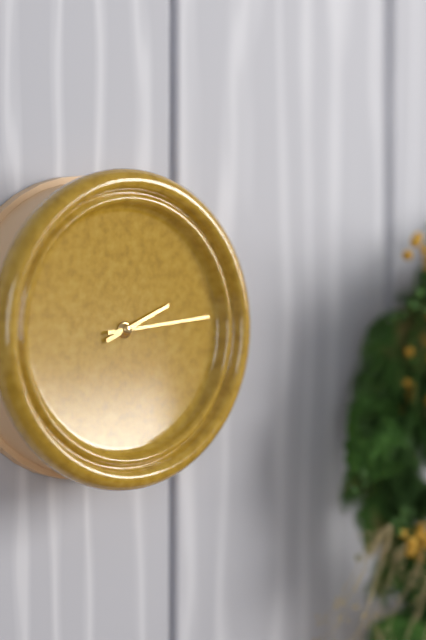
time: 2:14
